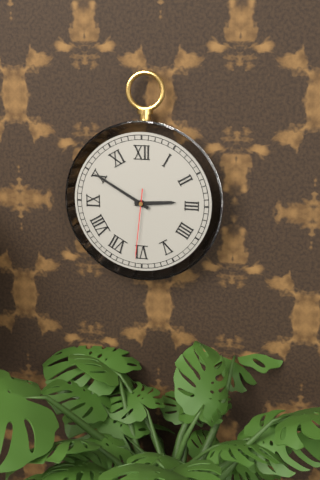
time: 2:50:31
